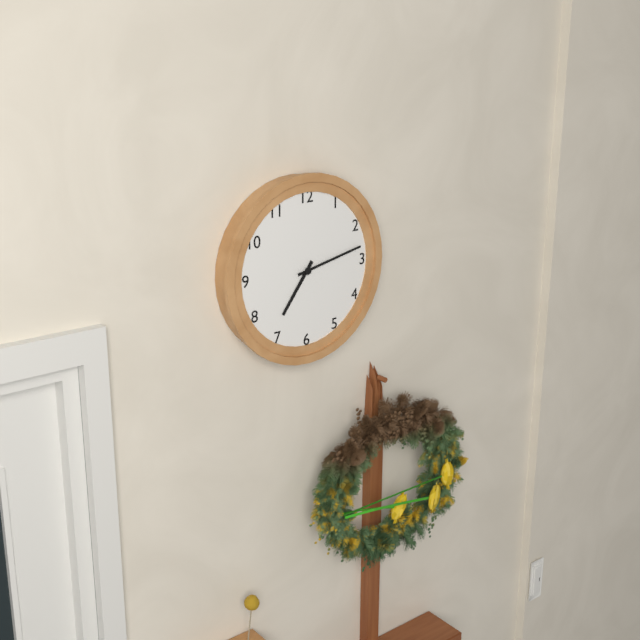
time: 7:13
